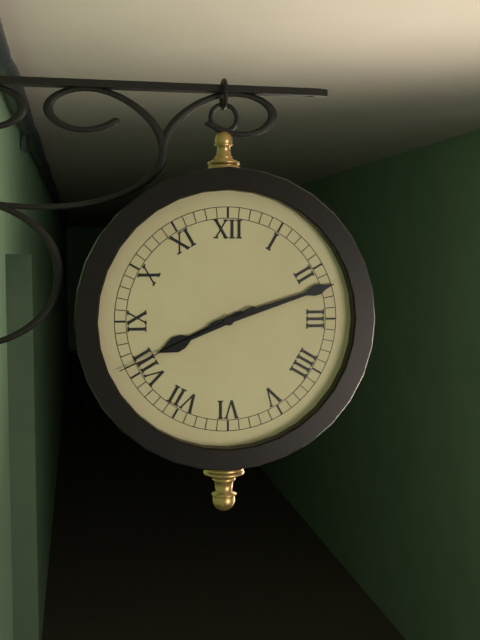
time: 8:12:41
